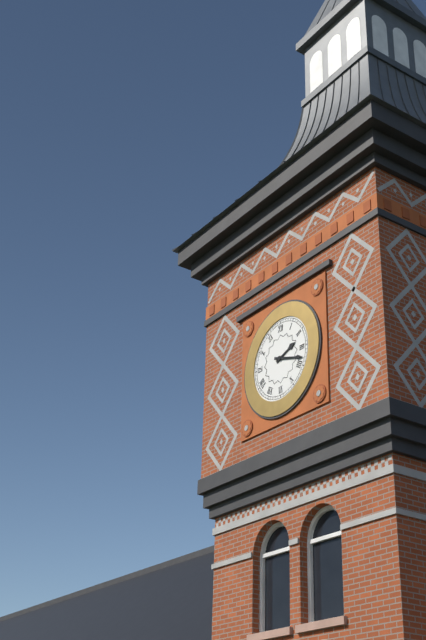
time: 2:18
